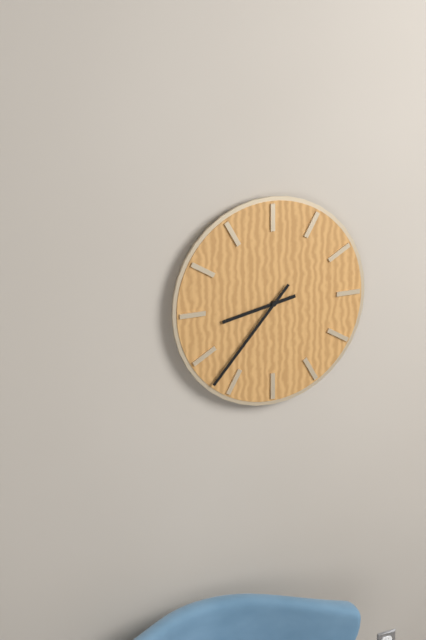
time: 8:37
